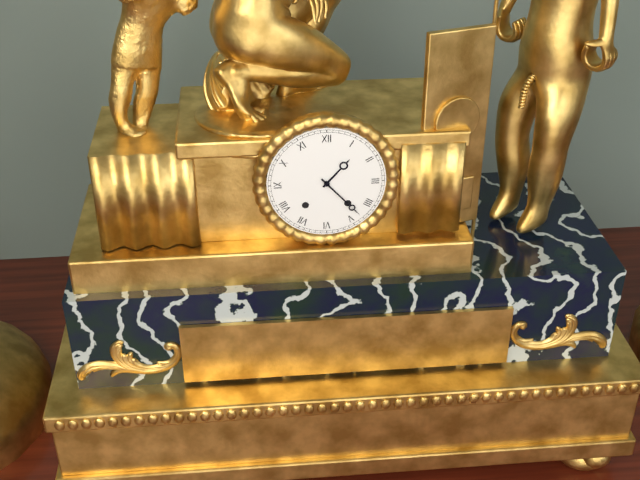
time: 1:23
